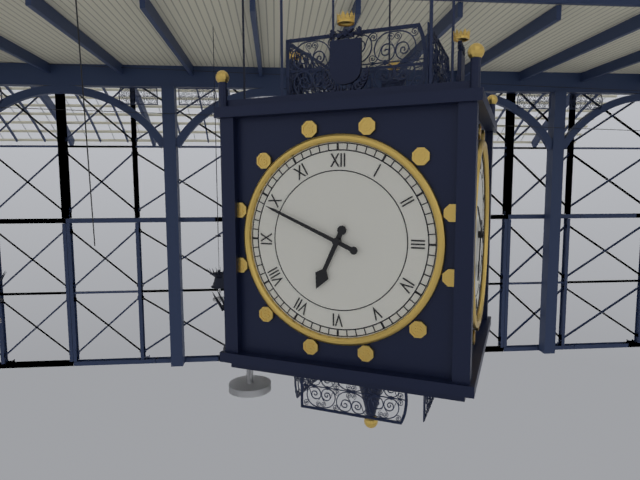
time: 6:49
